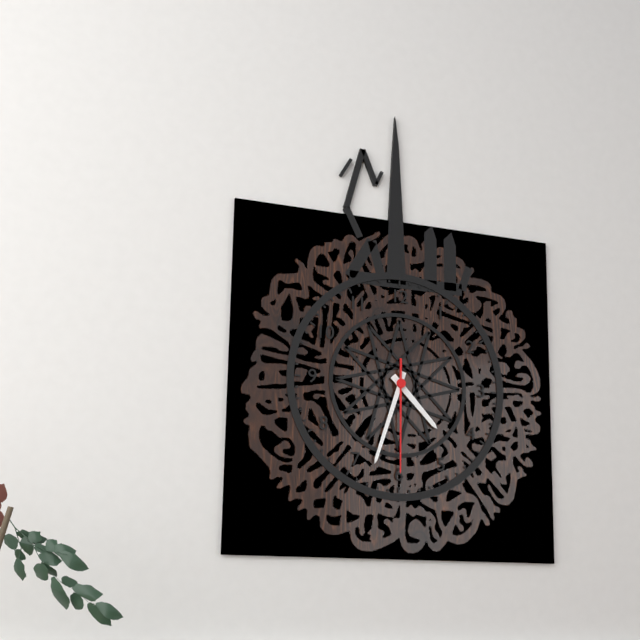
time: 4:33:30
